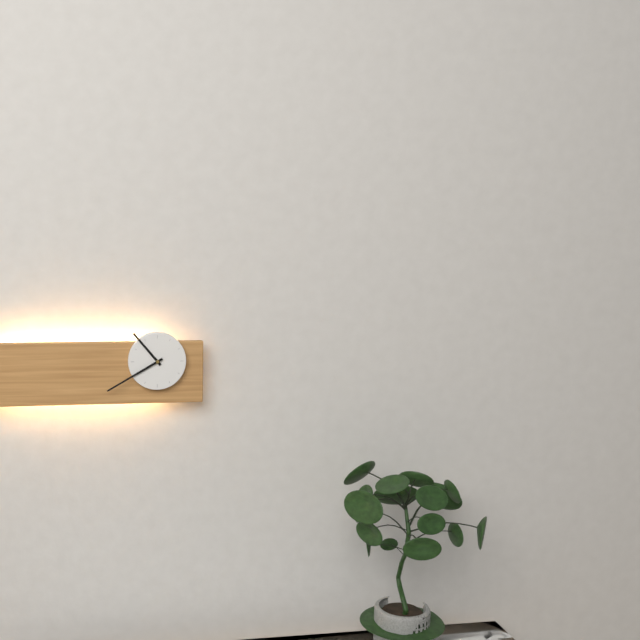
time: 10:40
